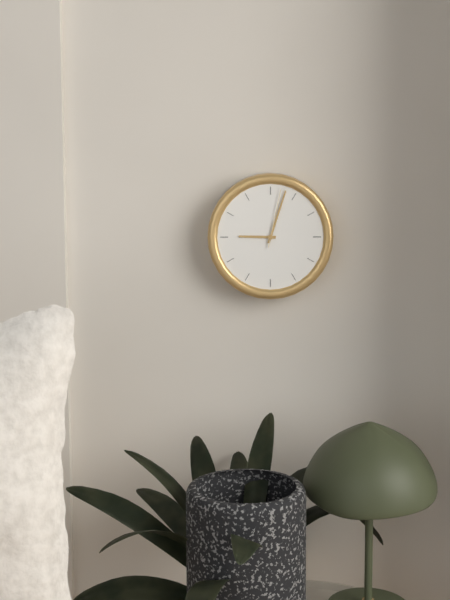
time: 9:03:02
